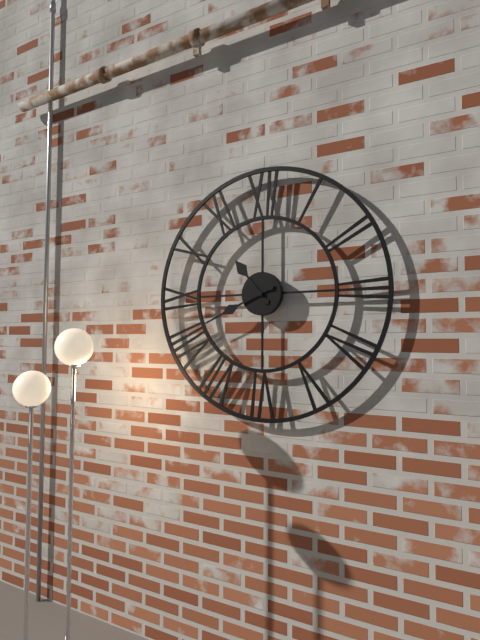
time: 10:41
